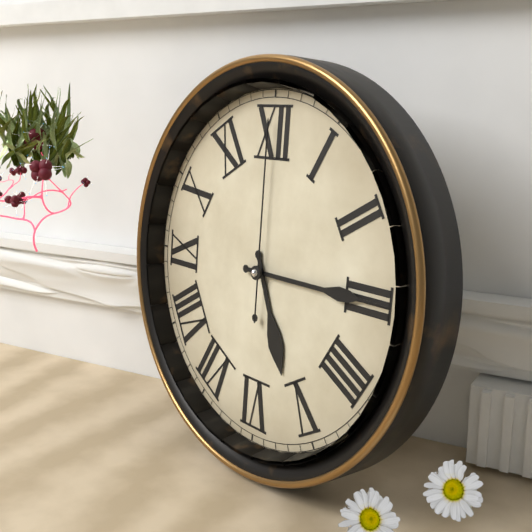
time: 5:15:00
